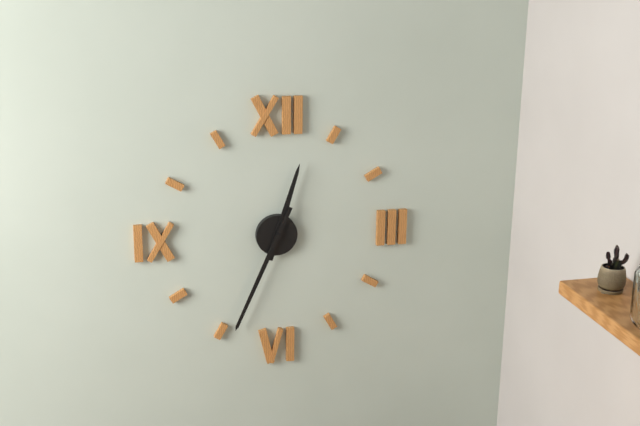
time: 12:34
